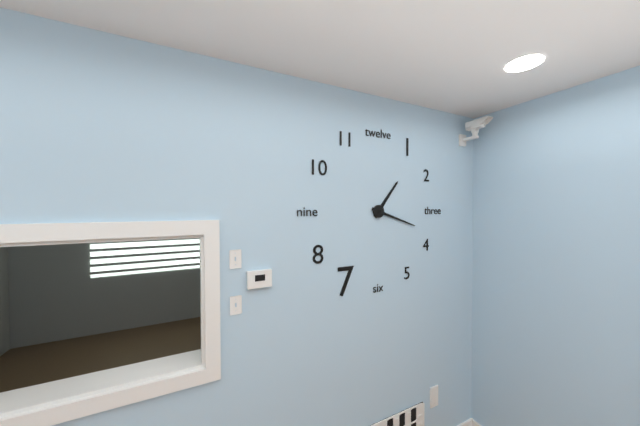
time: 1:18
